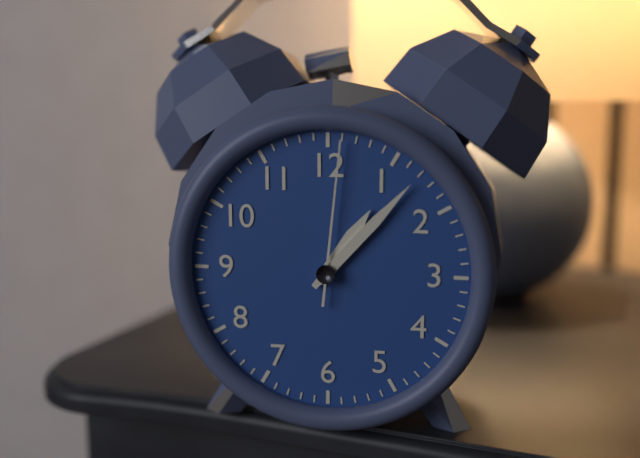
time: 1:07:01
